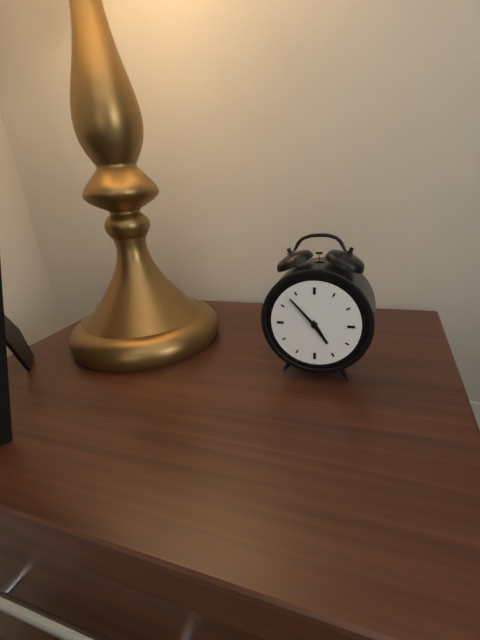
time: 4:53
